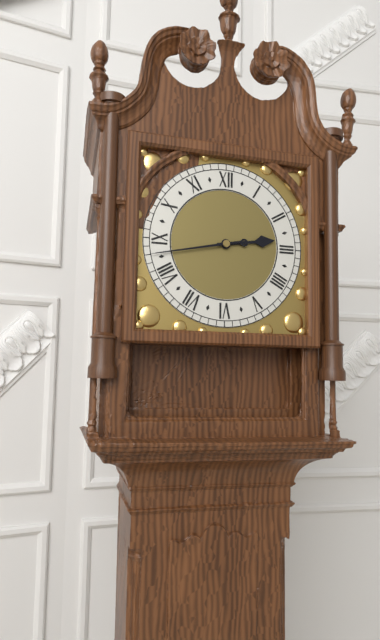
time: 2:43
